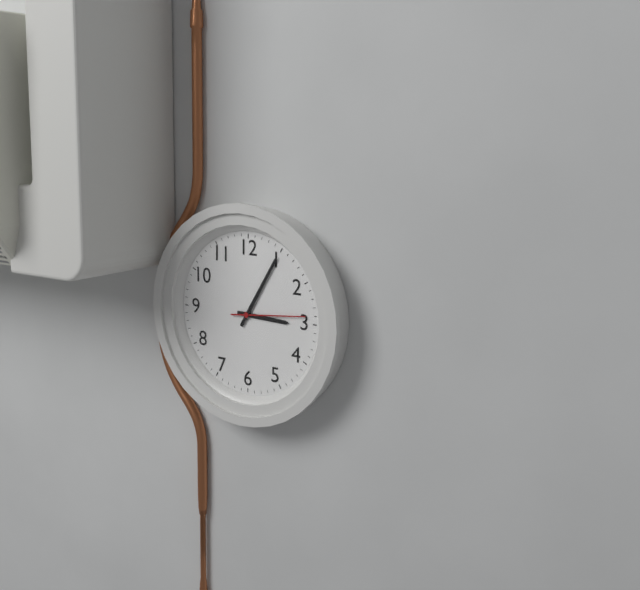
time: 3:05:14
